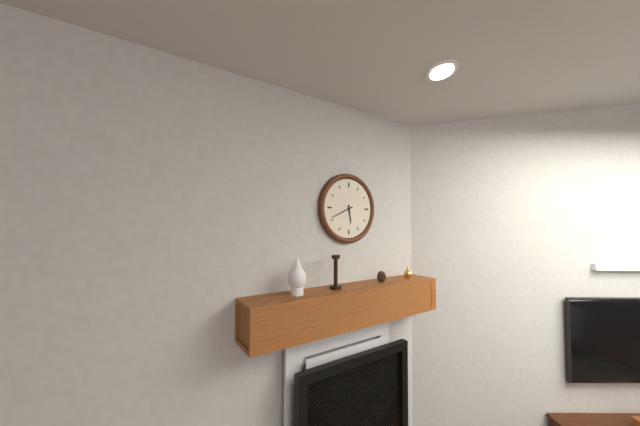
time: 5:41
